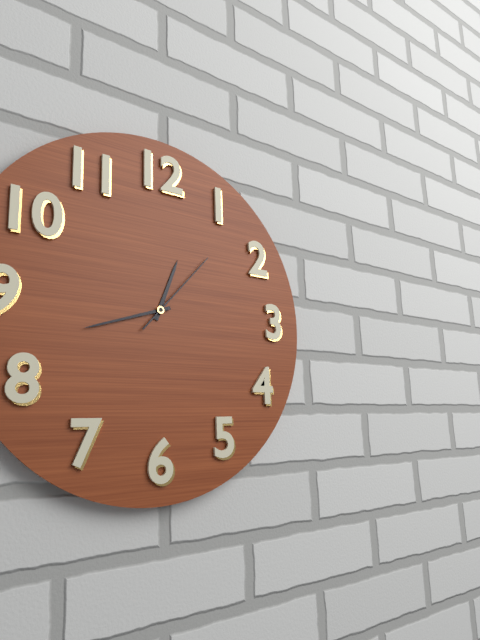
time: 12:42:07
